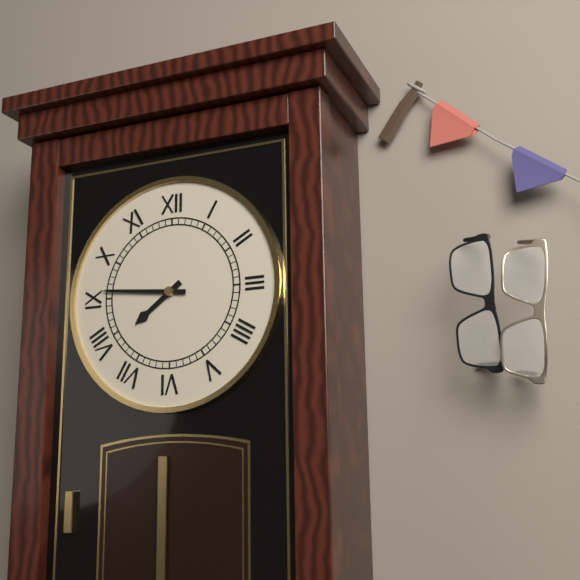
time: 7:46
